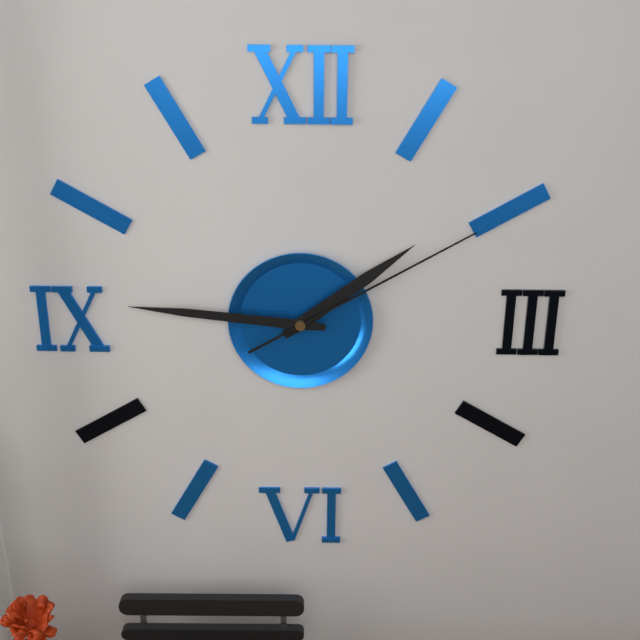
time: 1:46:10
